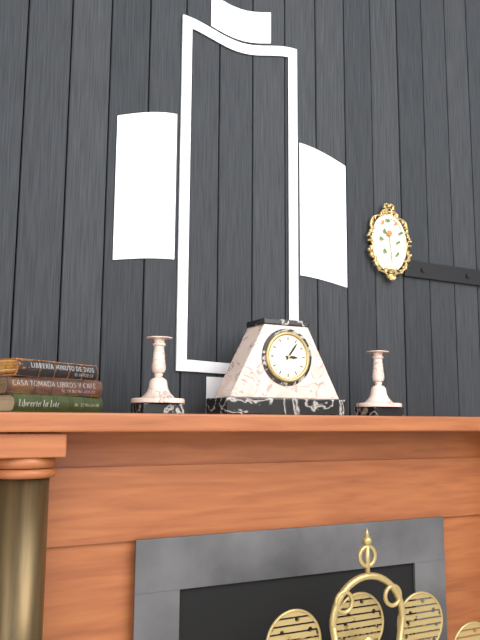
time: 3:06
